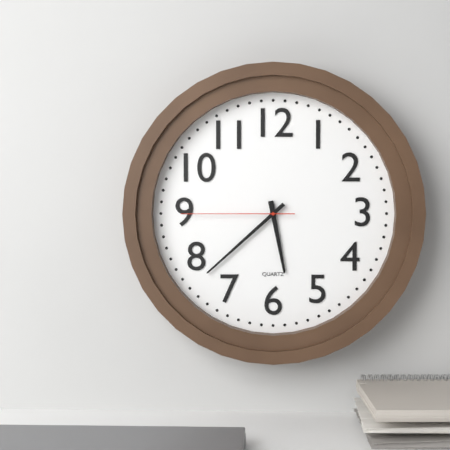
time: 5:38:45
